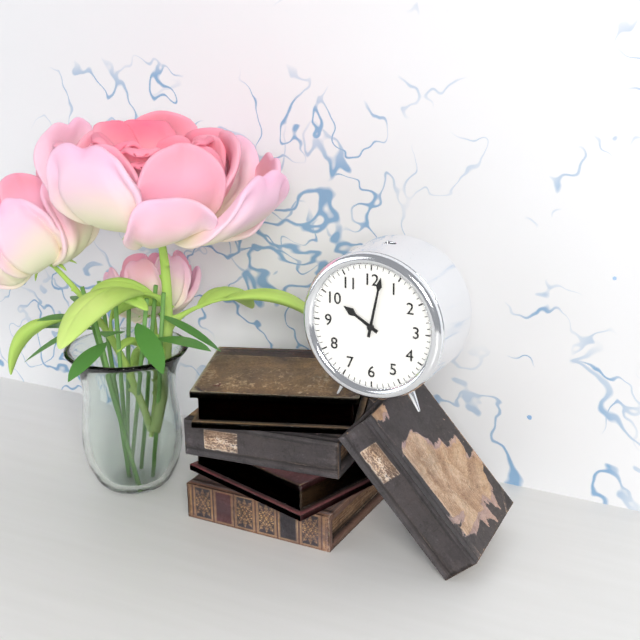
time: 10:02
